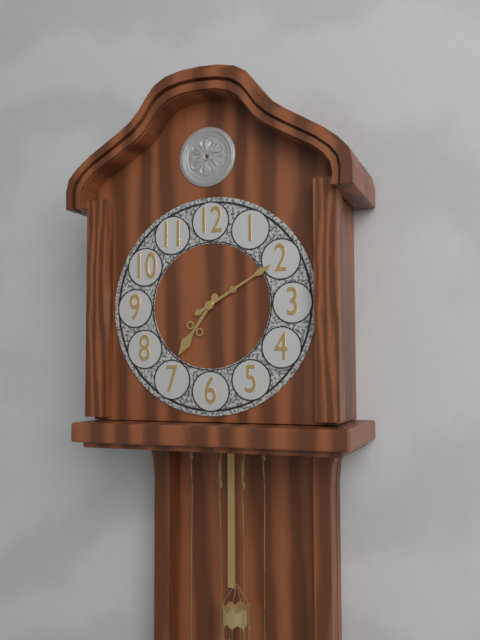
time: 7:10
